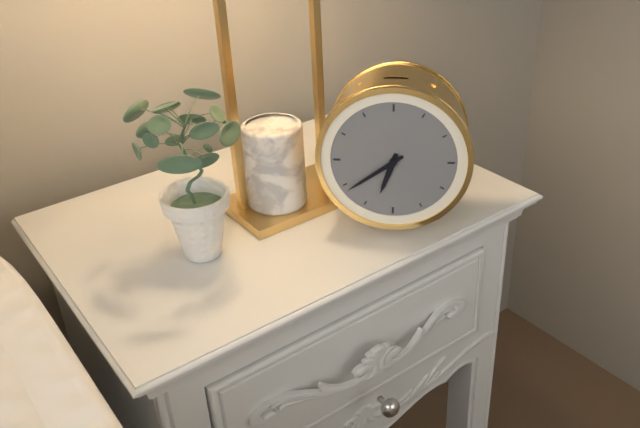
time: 6:39
